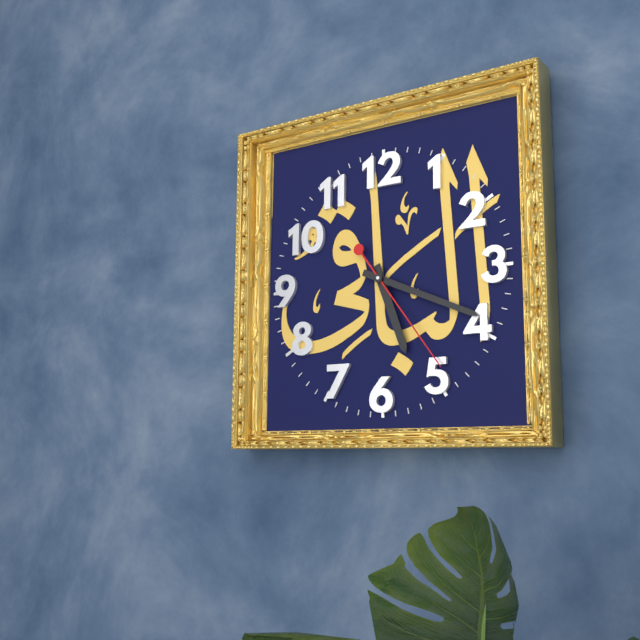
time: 5:19:24
